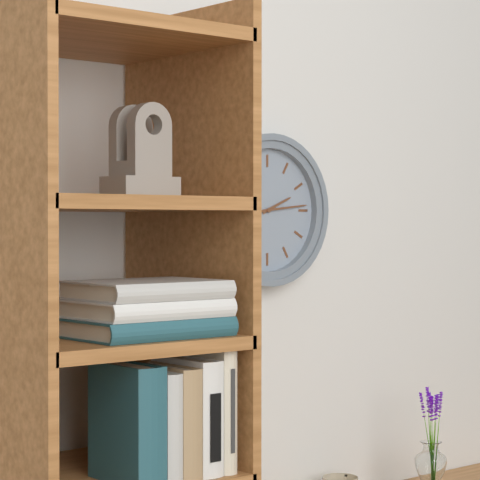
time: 2:14
